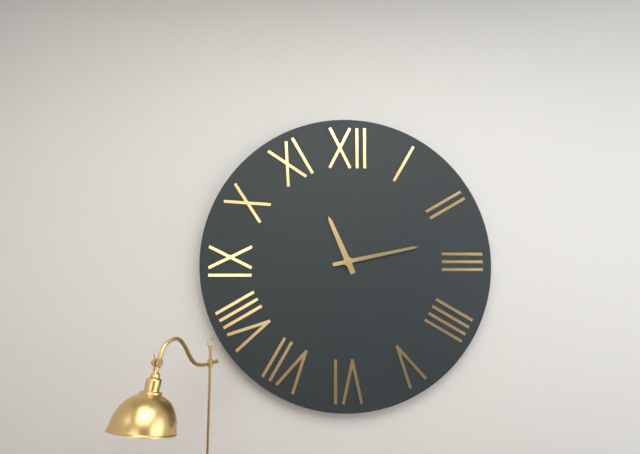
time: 11:13
